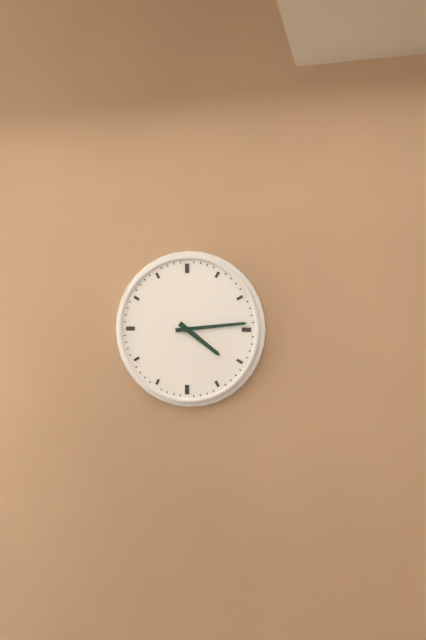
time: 4:14
